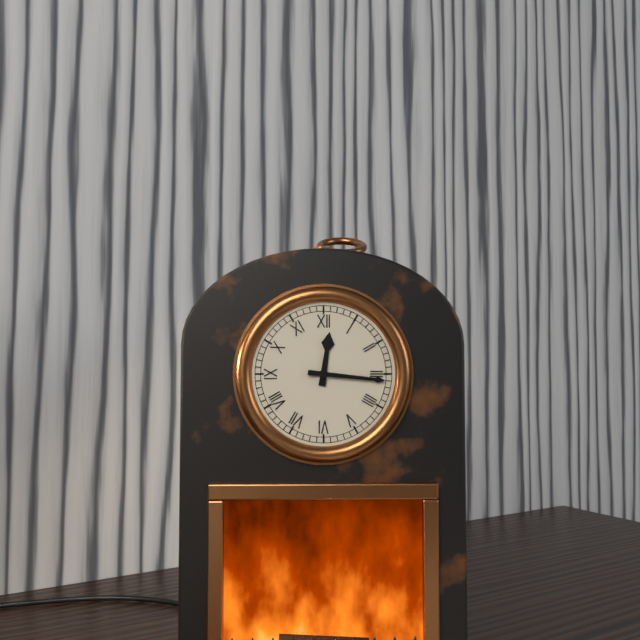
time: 12:16
